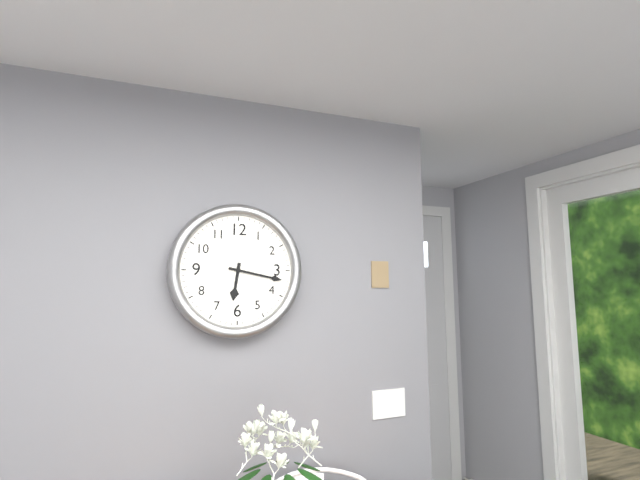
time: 6:17
